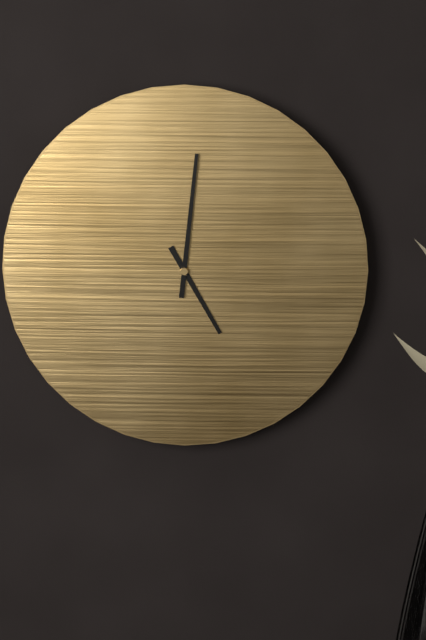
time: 5:01
